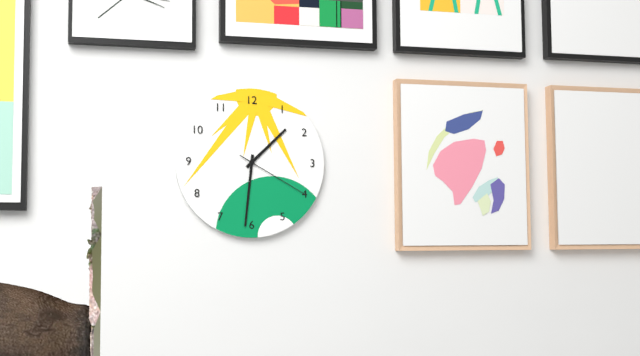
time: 1:31:20
